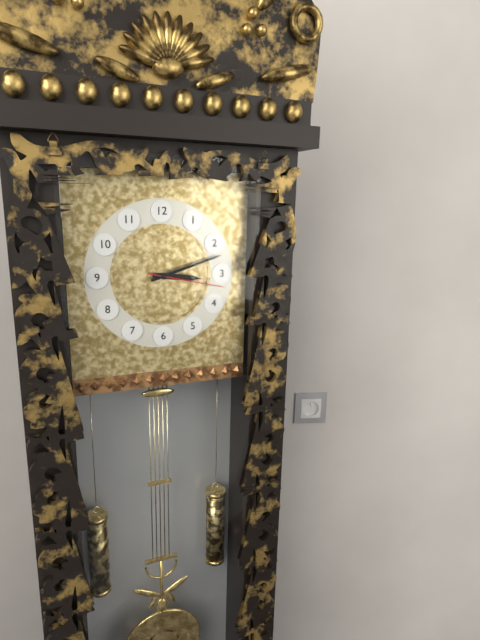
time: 3:12:17
